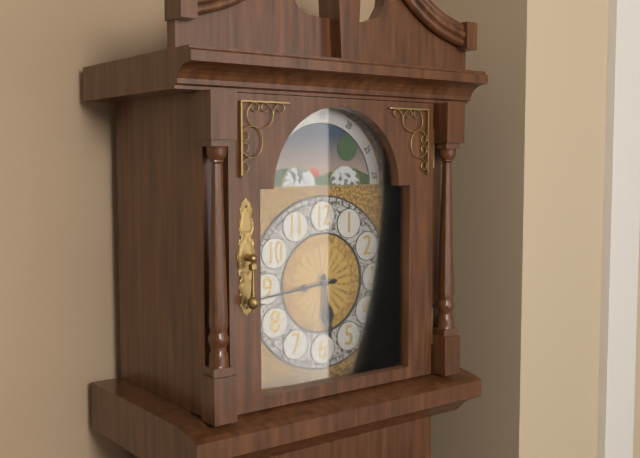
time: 5:44
